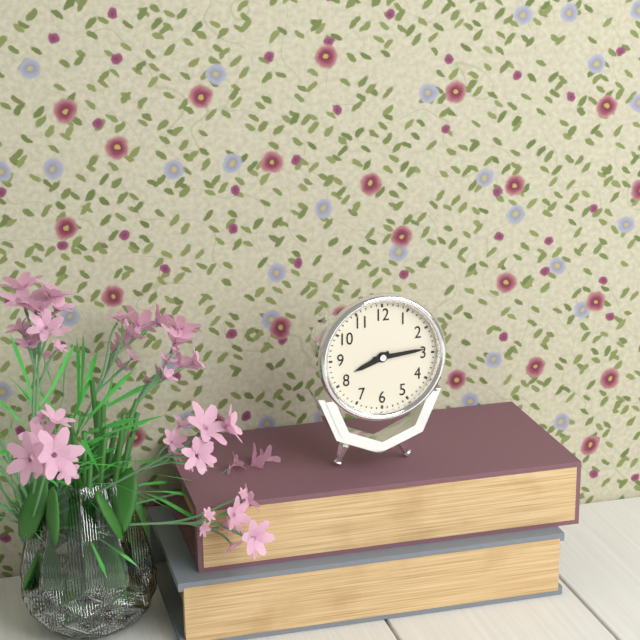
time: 8:14
